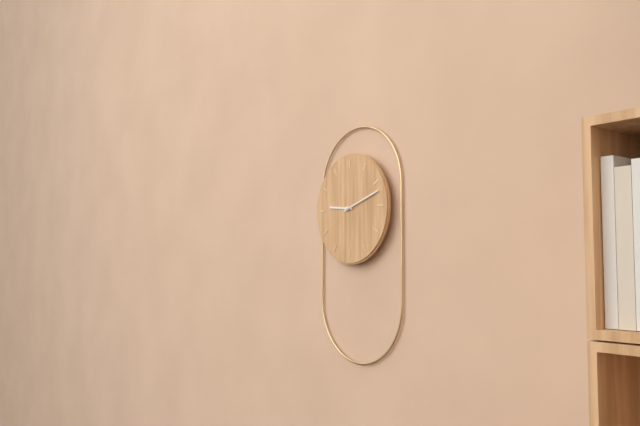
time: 9:12
